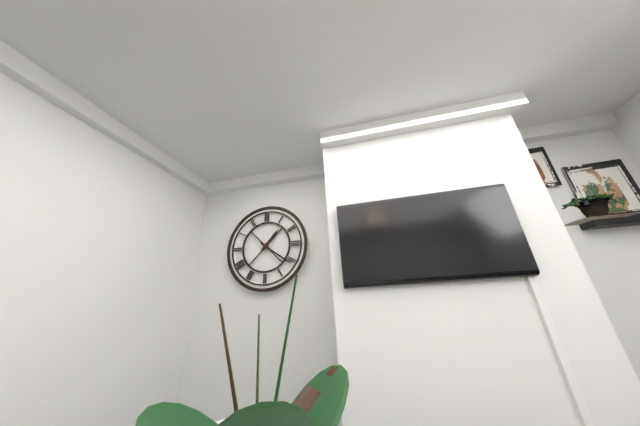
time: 1:21
